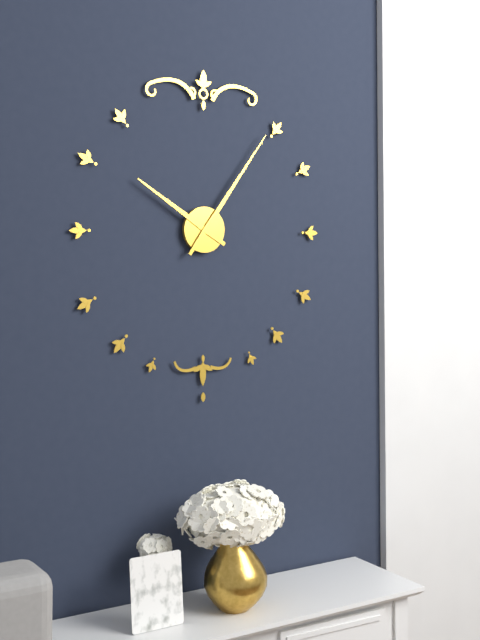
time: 10:06
